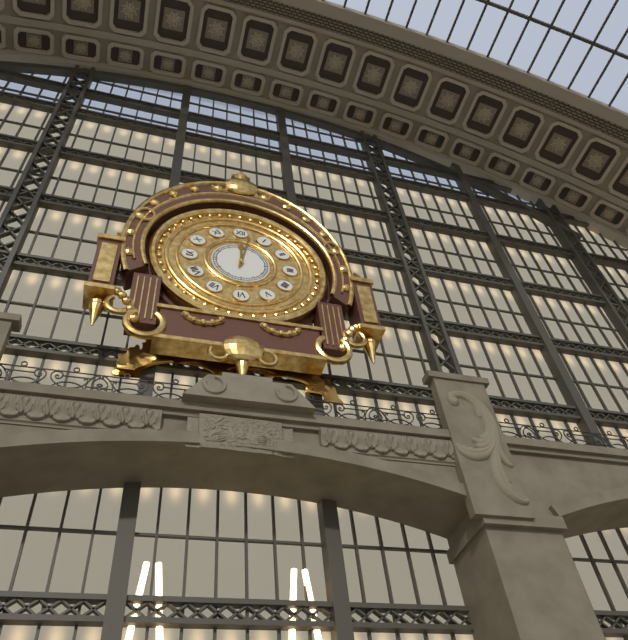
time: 12:02
